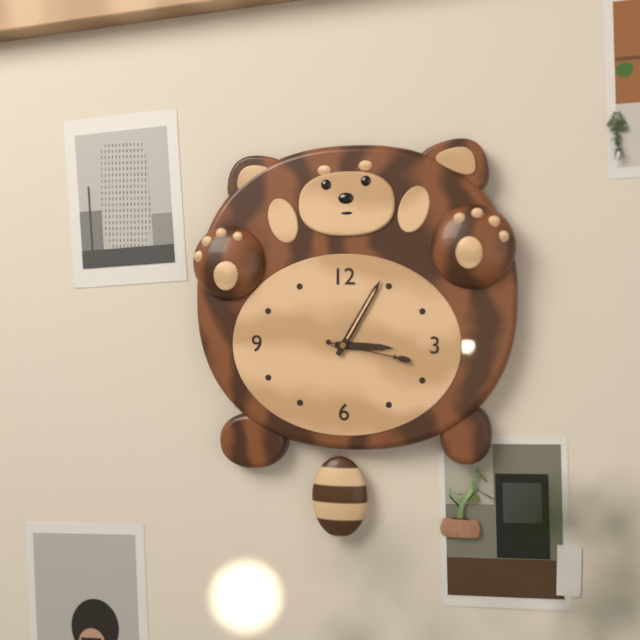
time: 3:05:17
